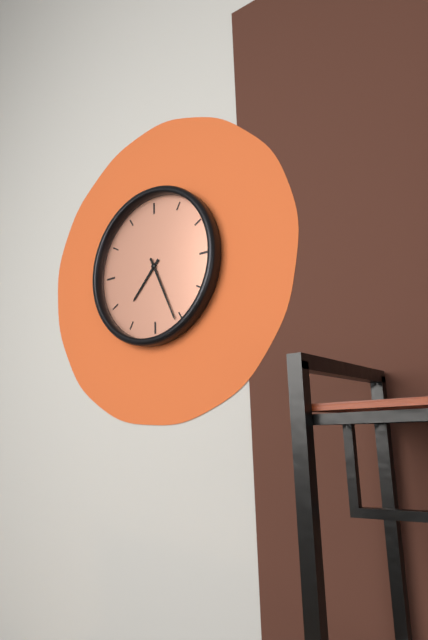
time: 7:26
